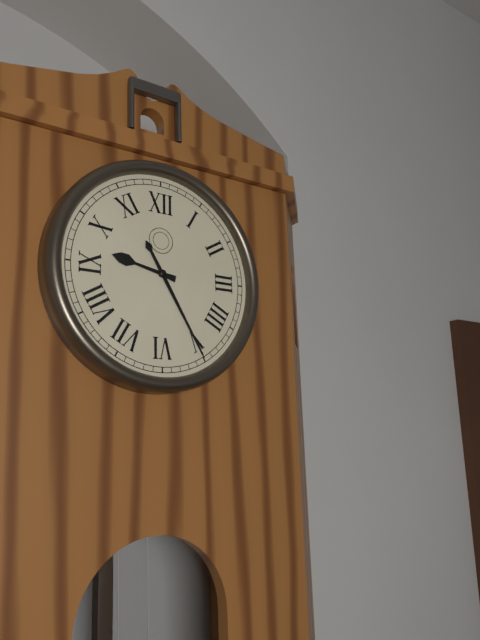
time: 9:25
